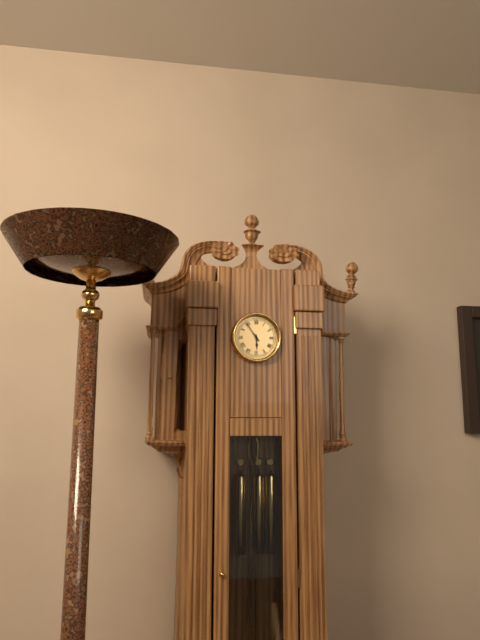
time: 5:54
